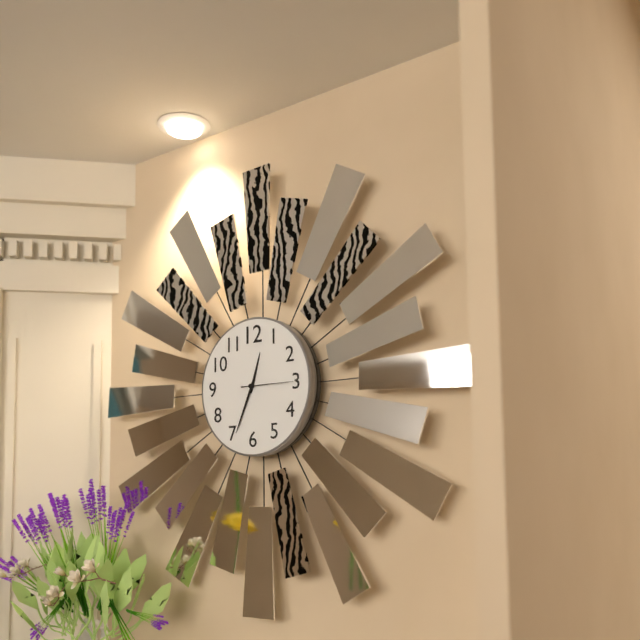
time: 12:34:15
